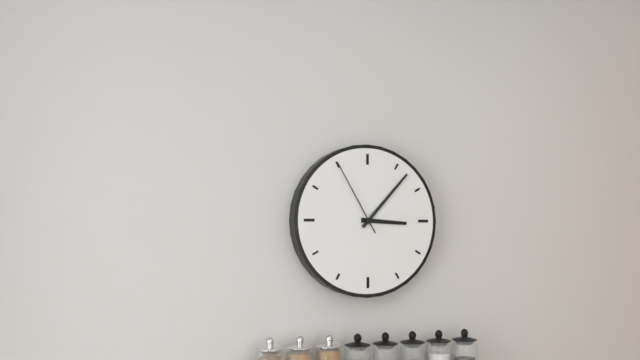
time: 3:07:55
